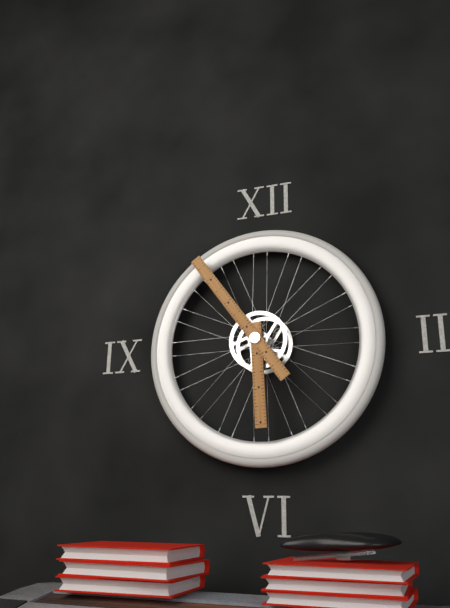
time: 5:54
